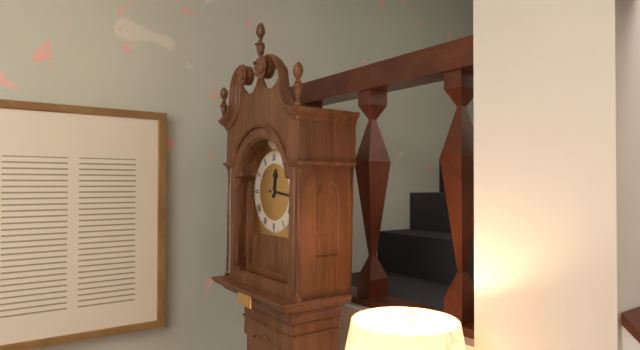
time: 12:16
